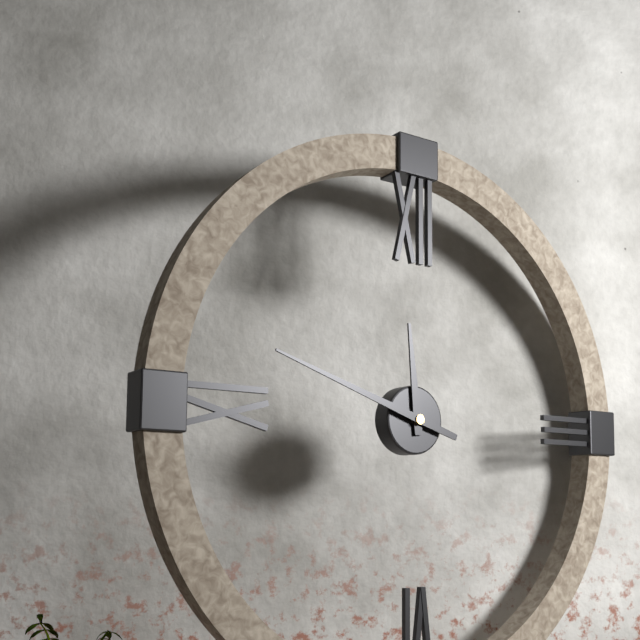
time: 11:48
